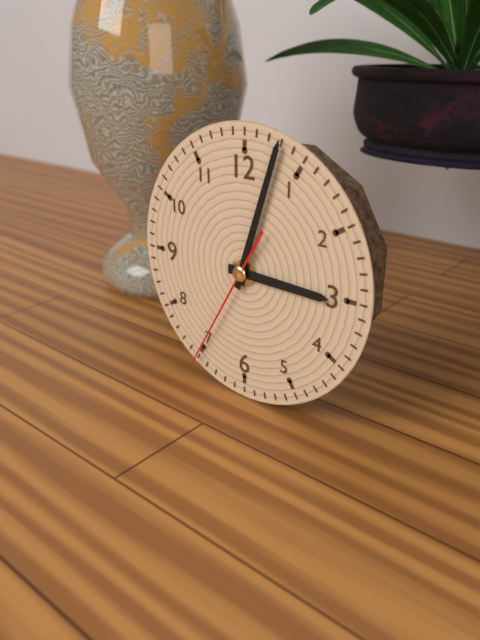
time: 3:03:35
